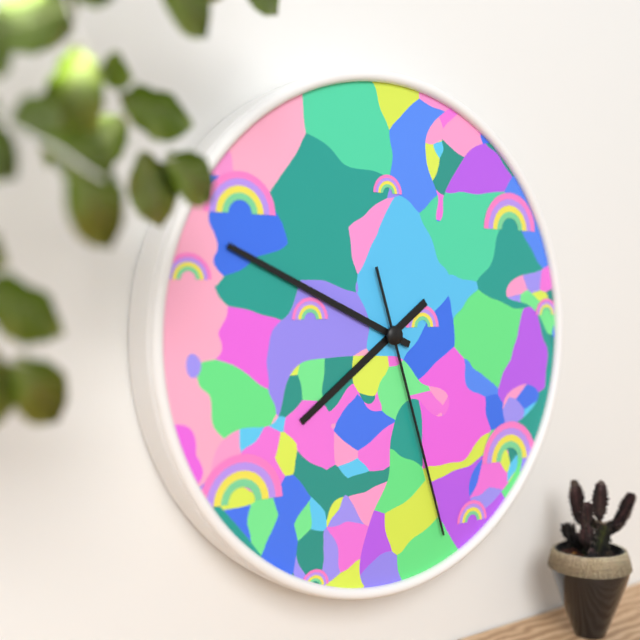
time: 7:49:27
